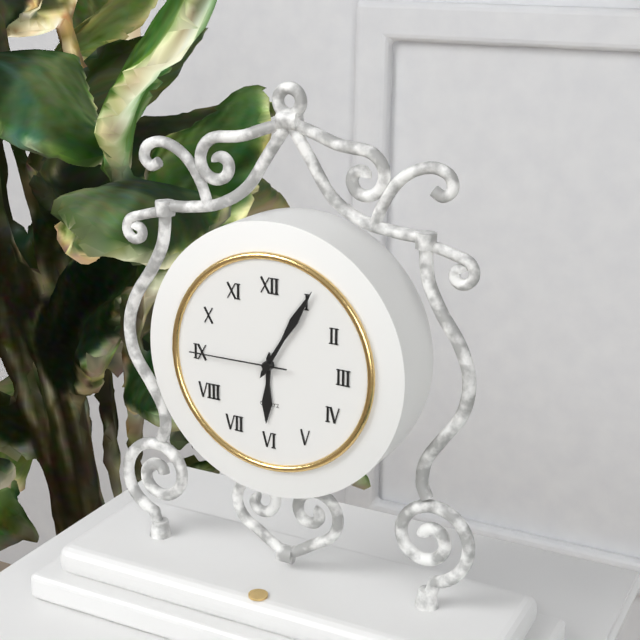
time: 6:05:45
